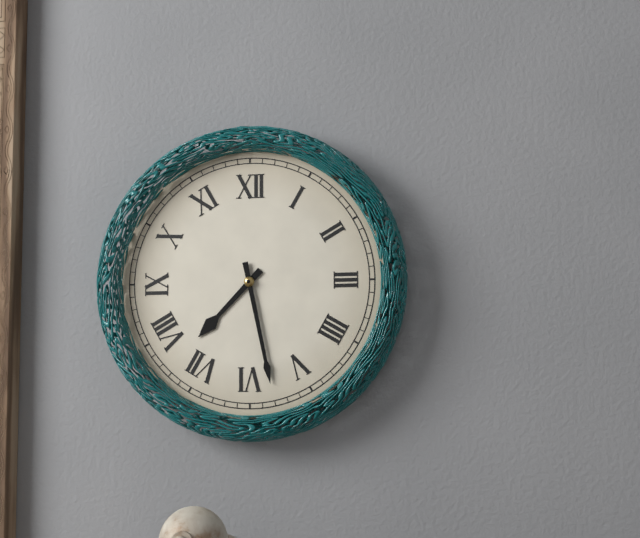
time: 7:28
